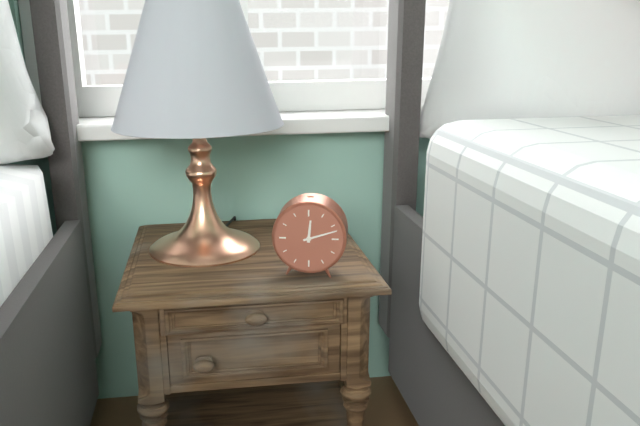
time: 12:12
